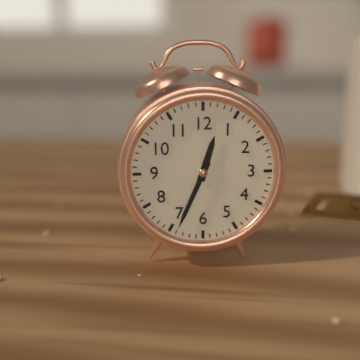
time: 12:34
